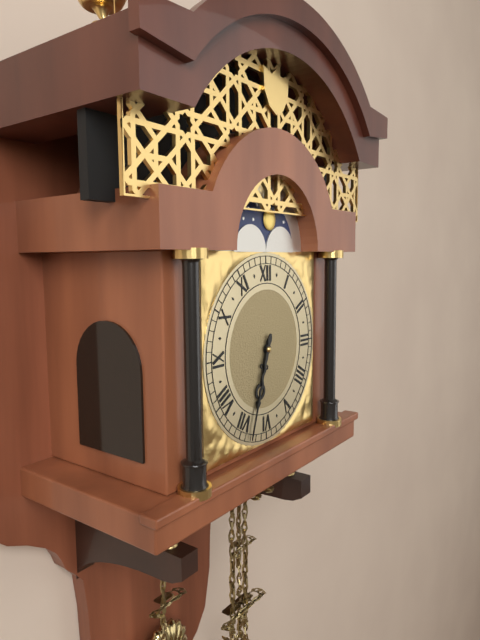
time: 6:33
